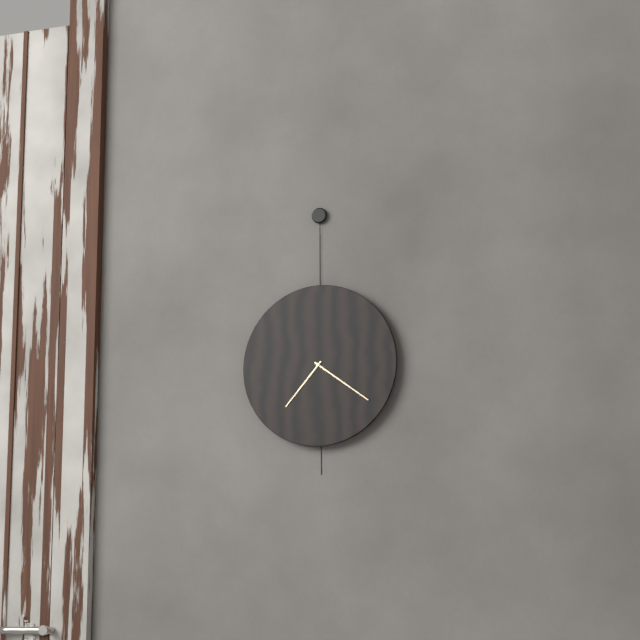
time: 7:21
